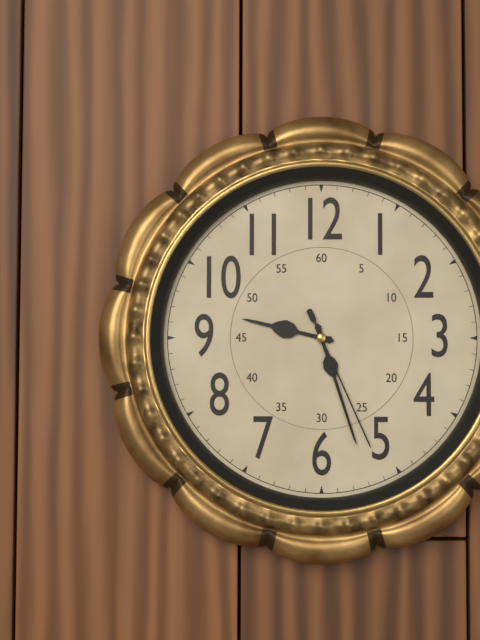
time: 9:27:26
